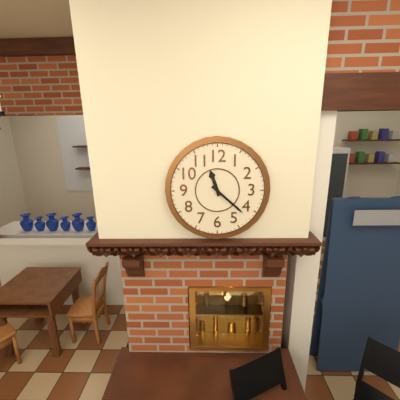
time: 11:22
